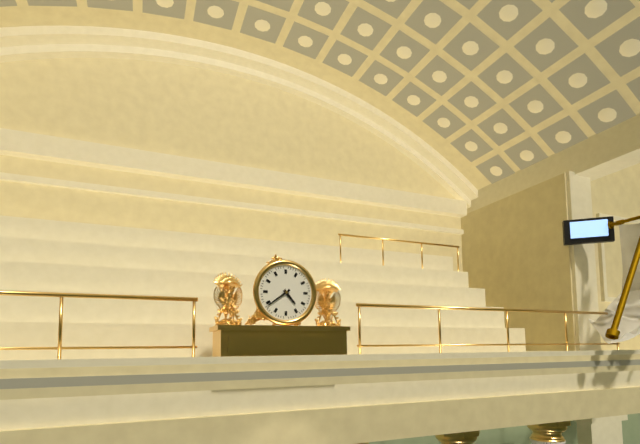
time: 4:39
